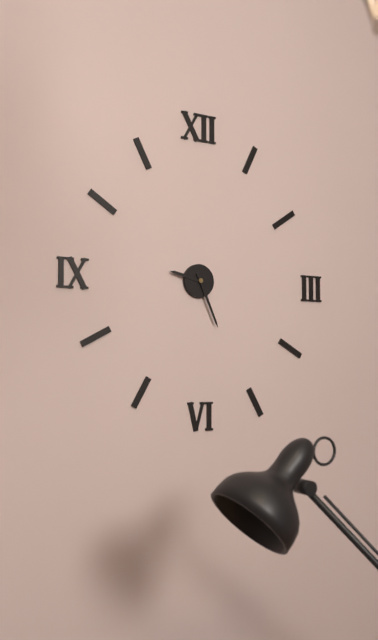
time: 9:26
